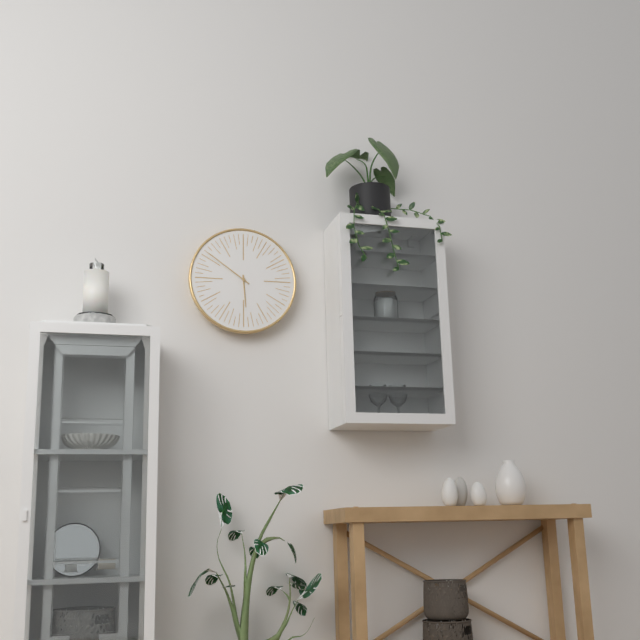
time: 5:51
